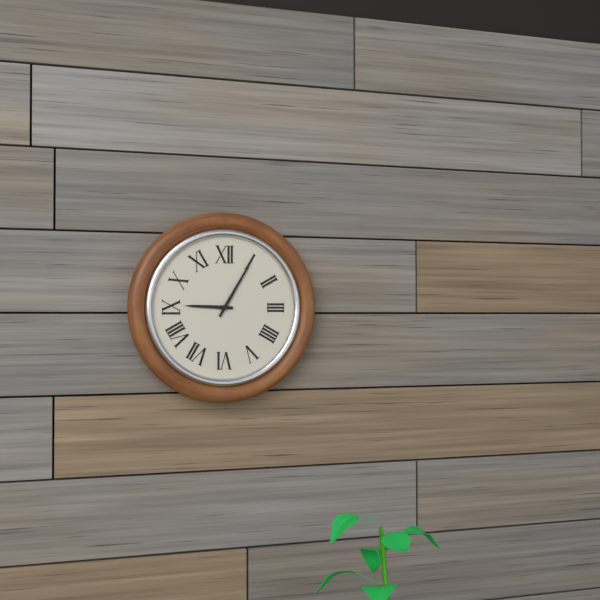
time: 9:05
